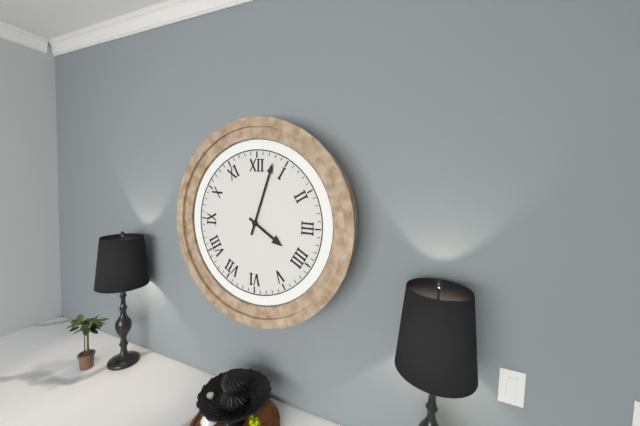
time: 4:03
